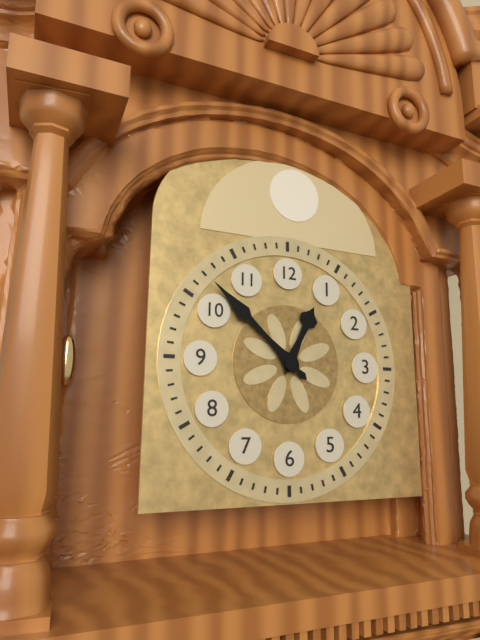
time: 12:52
